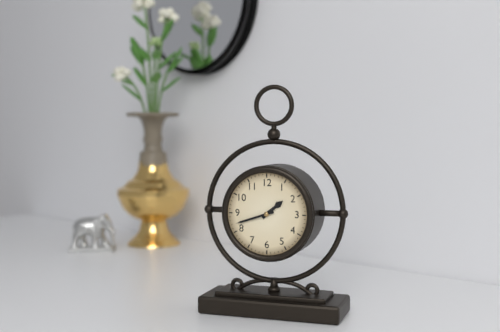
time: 1:42
